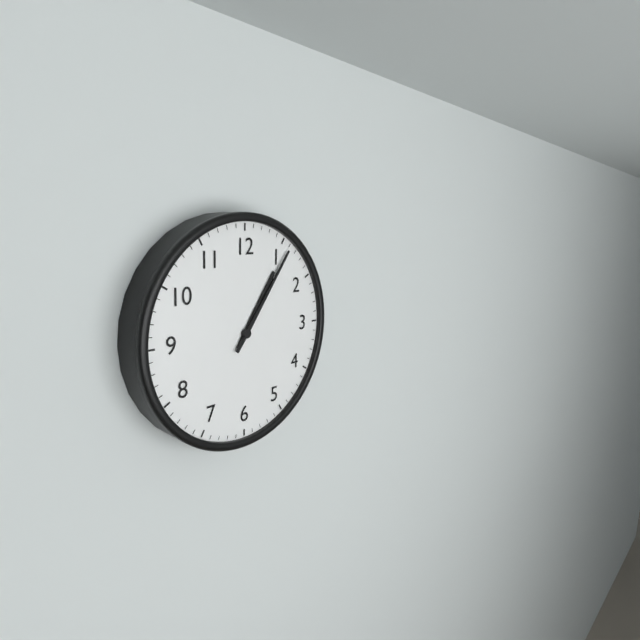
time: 1:06
